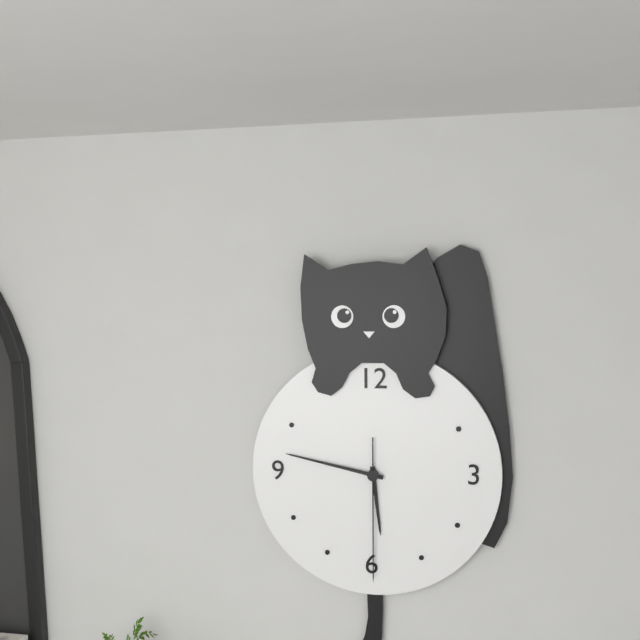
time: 5:47:30
